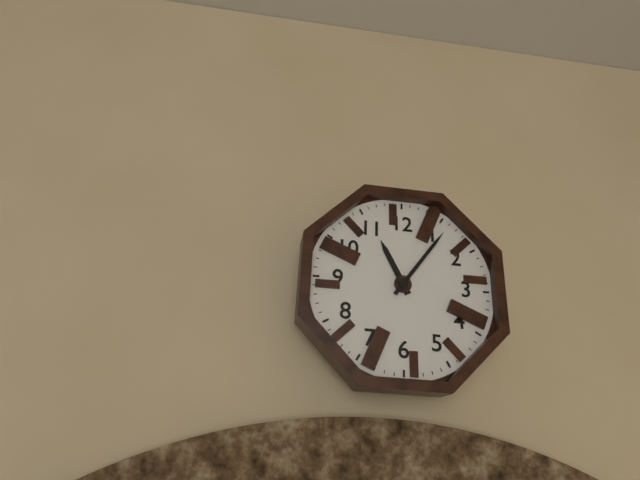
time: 11:06
